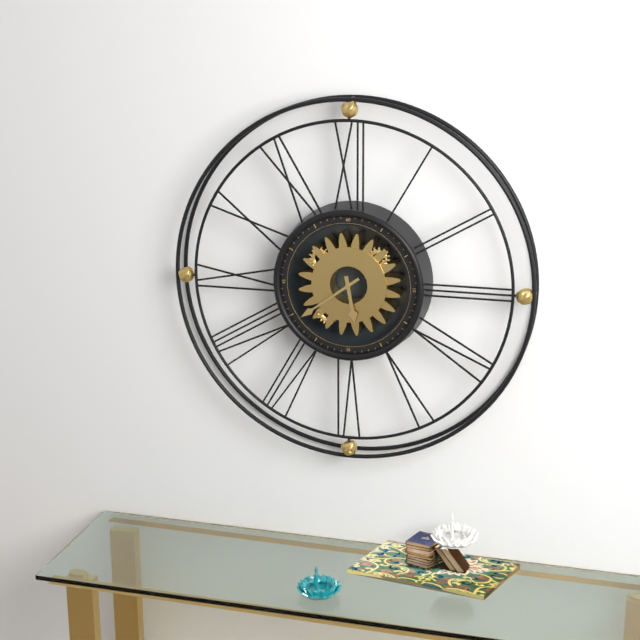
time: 5:39
